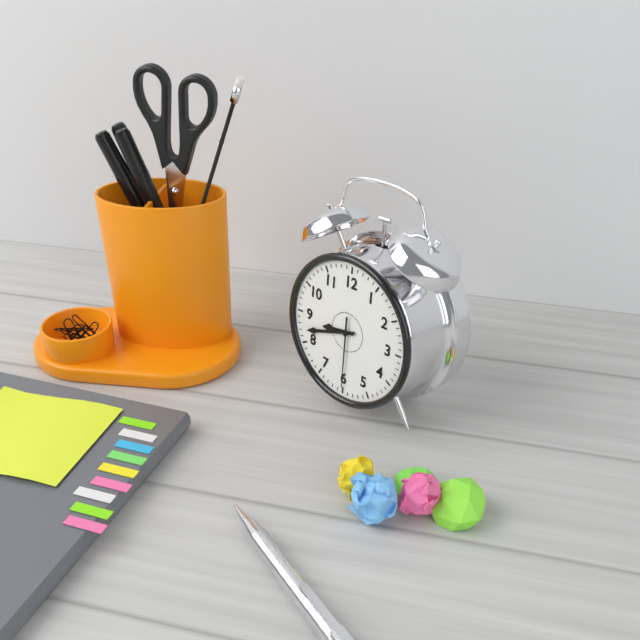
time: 8:42:30
